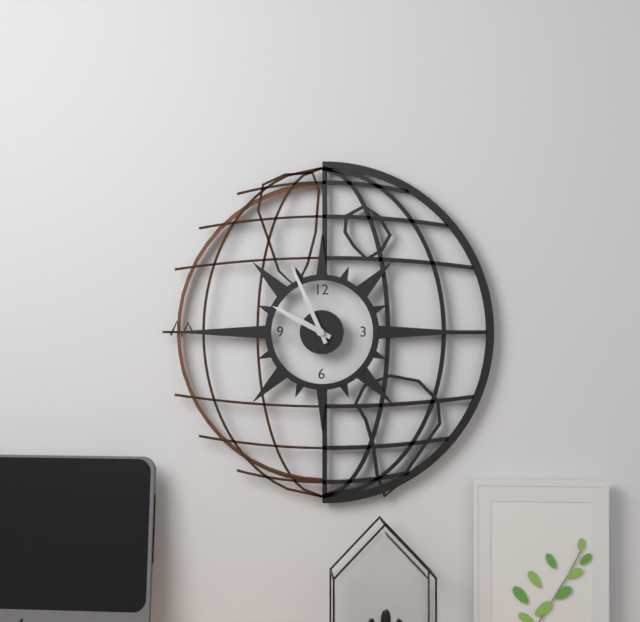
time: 9:56
